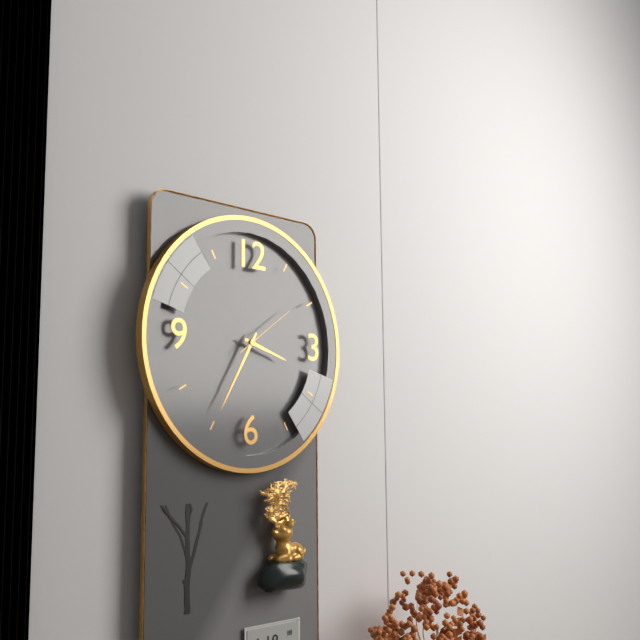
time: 3:35:09
